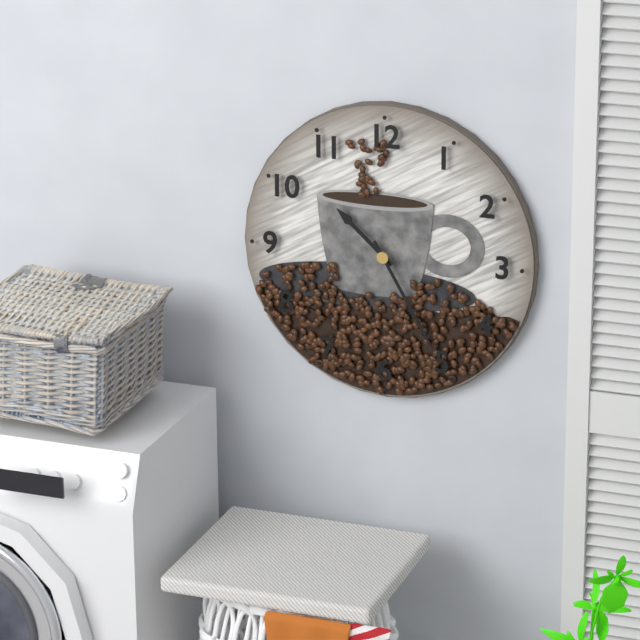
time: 10:25
